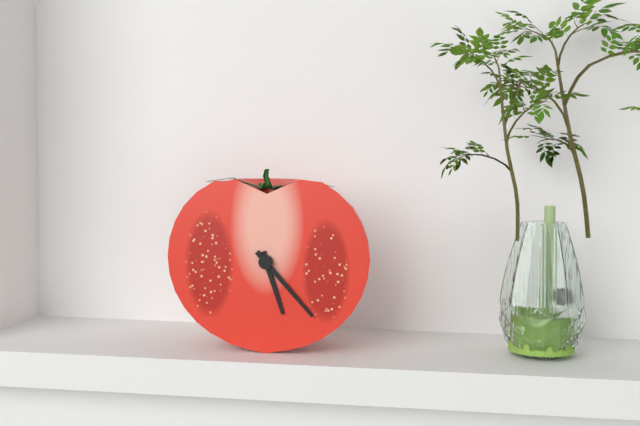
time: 5:23
